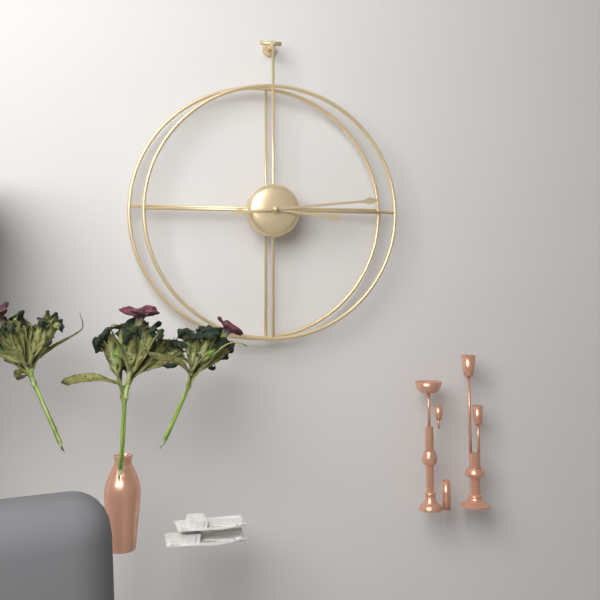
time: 3:14
